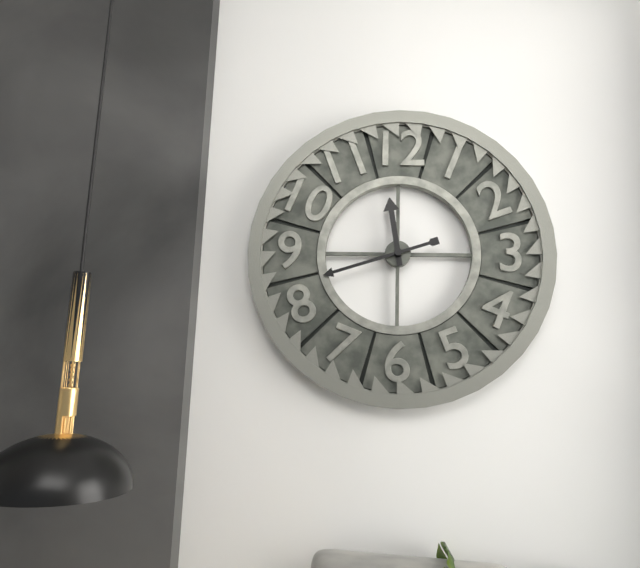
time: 11:42
